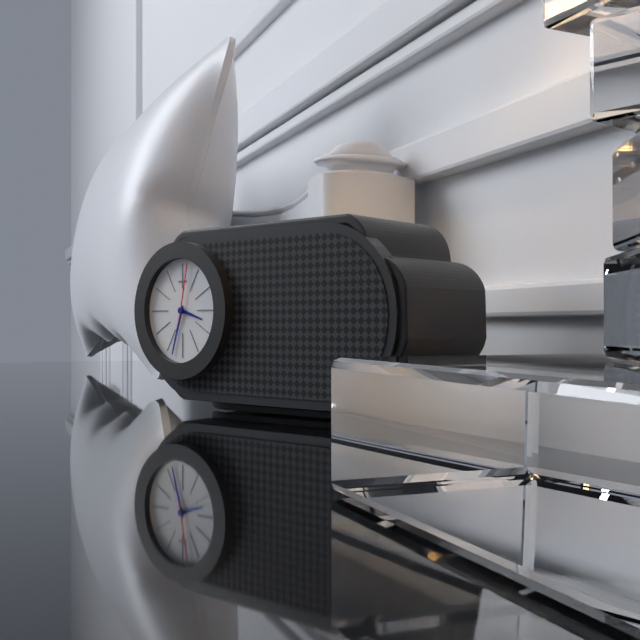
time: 3:33:02
